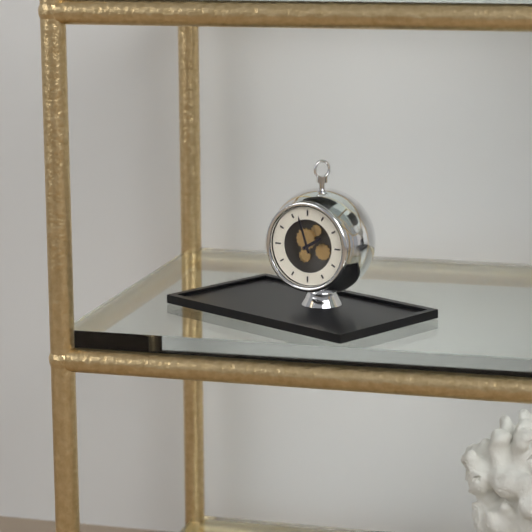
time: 1:57
